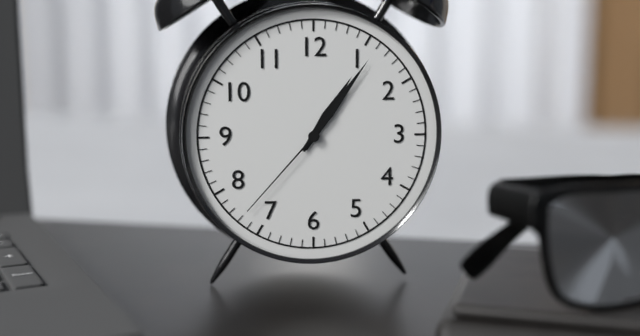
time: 1:06:37
